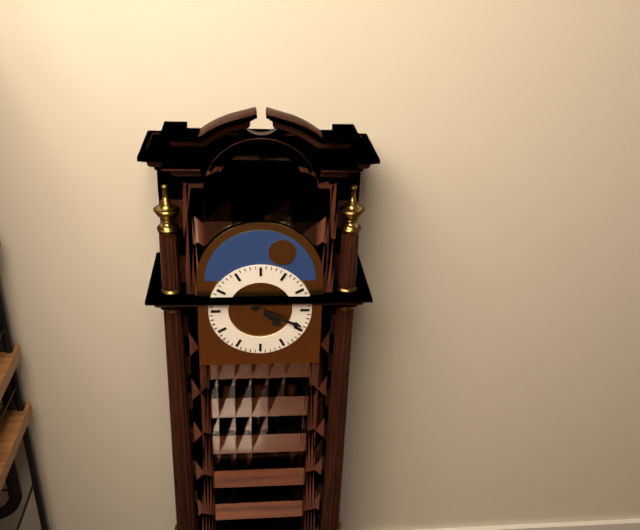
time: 4:19
